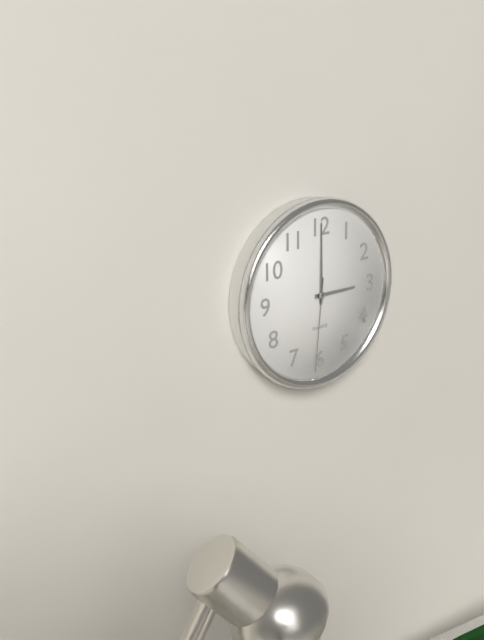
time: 3:00:31
